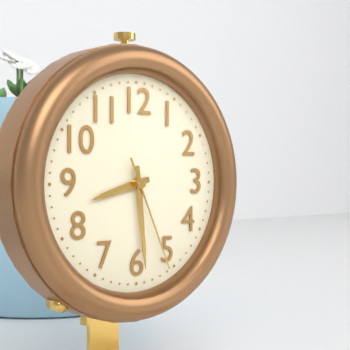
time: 8:29:26
